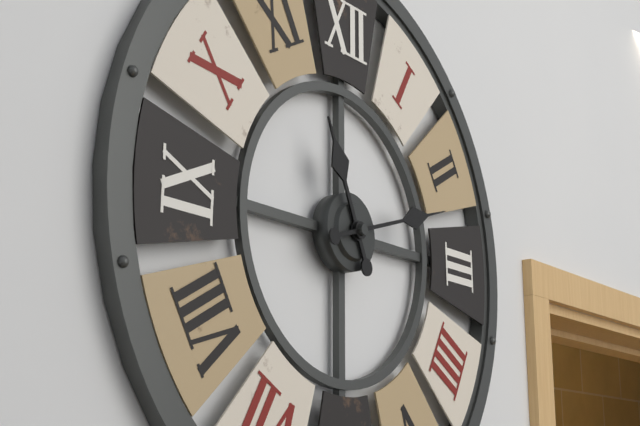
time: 11:12
